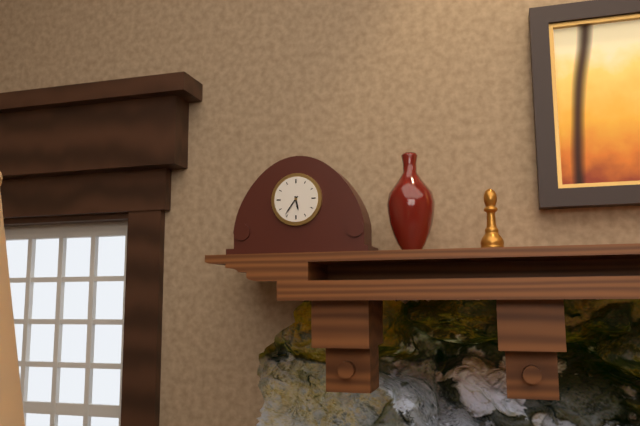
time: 5:36
